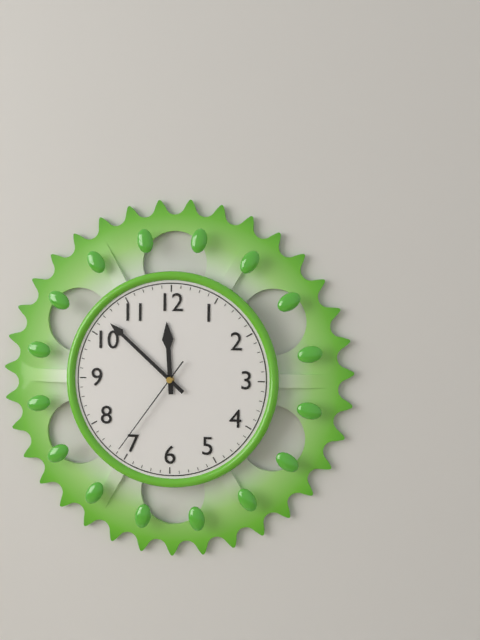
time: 11:52:36
